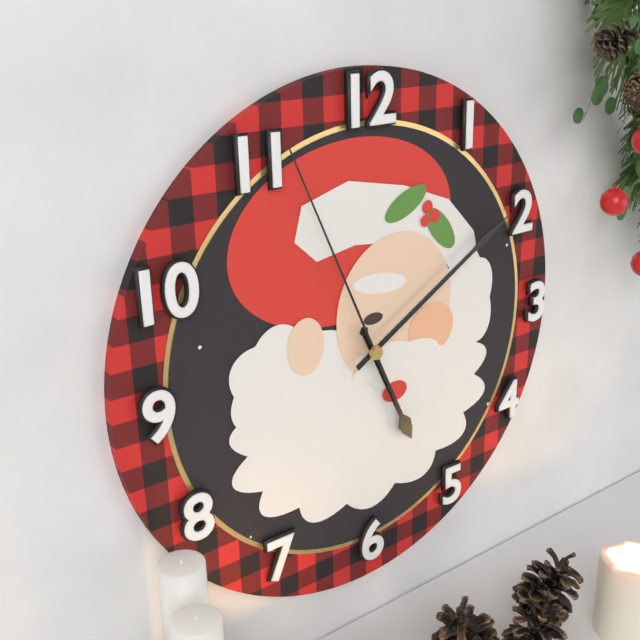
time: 5:10:56
